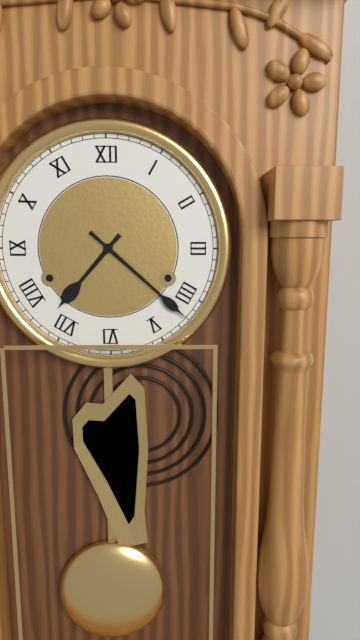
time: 7:22
